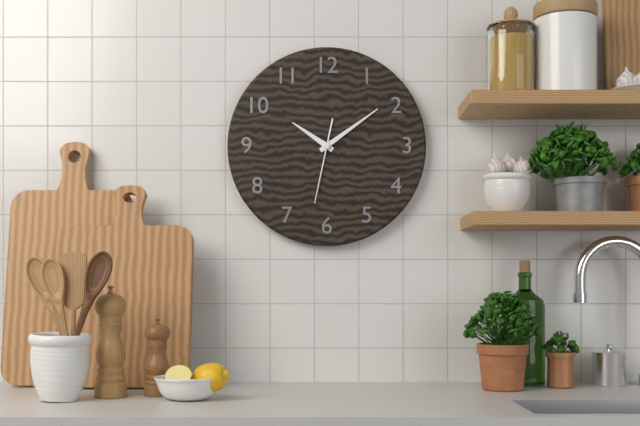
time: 10:09:32
